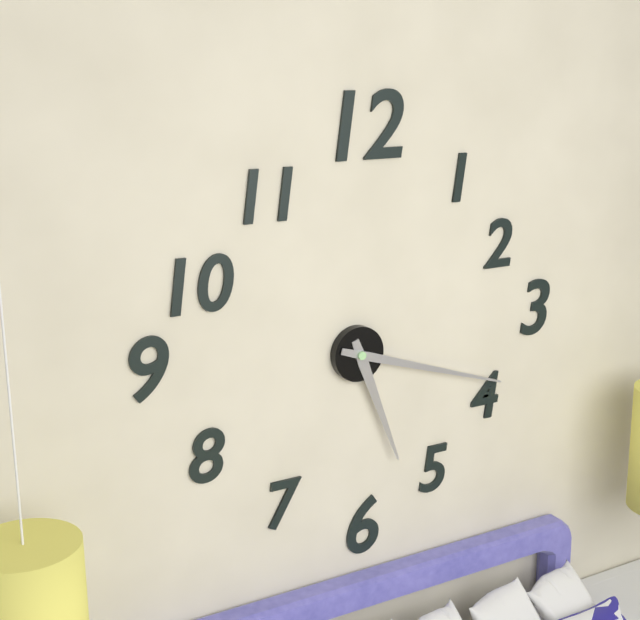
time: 5:18
